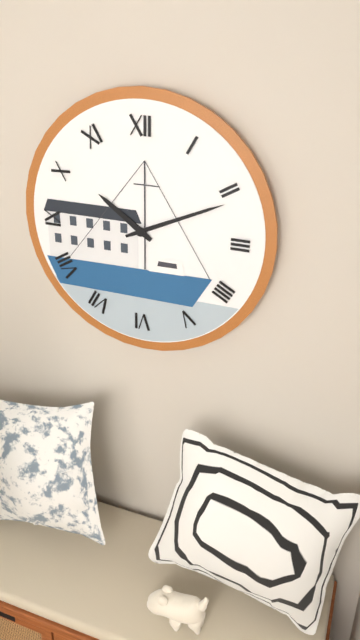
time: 10:11
